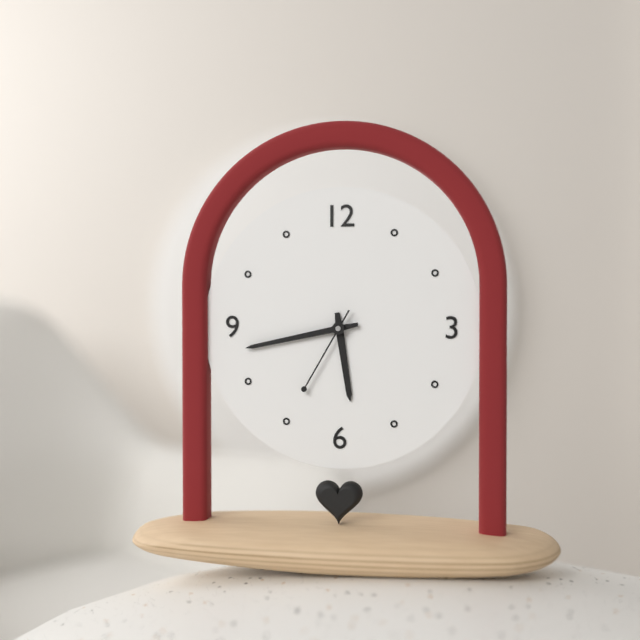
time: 5:43:35
